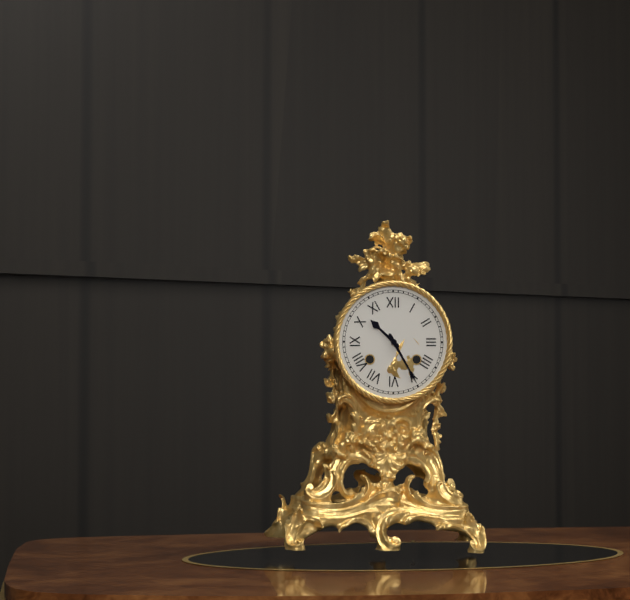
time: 10:25
